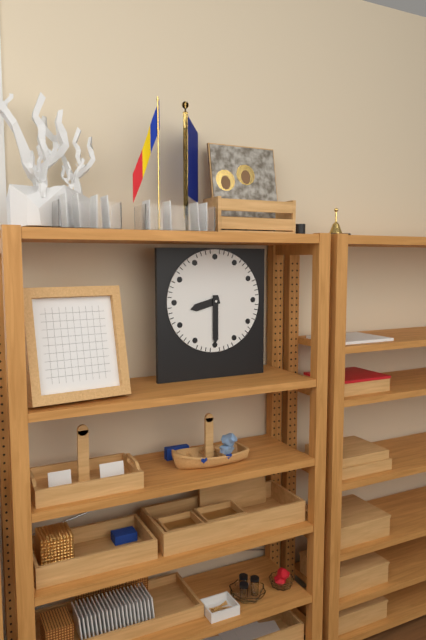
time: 8:30
